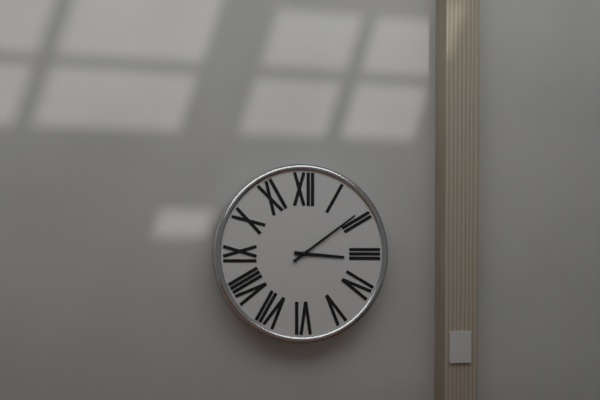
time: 3:09
